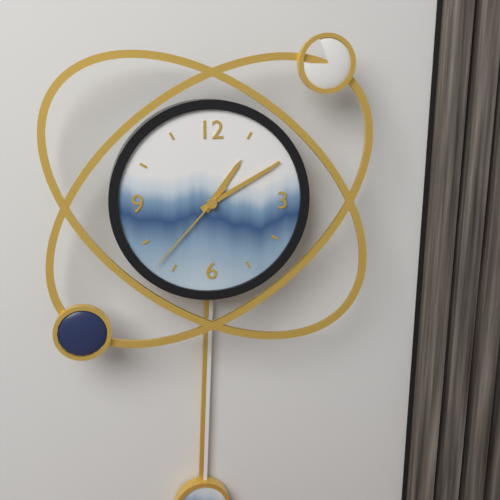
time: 1:10:37
